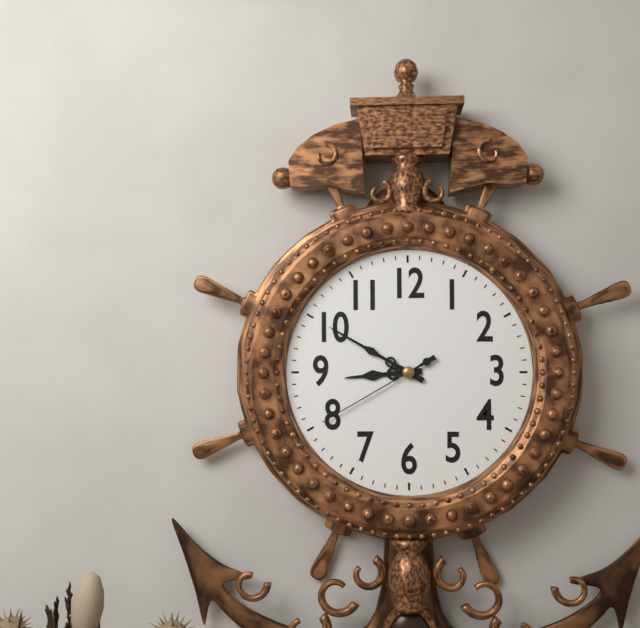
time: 8:50:40
